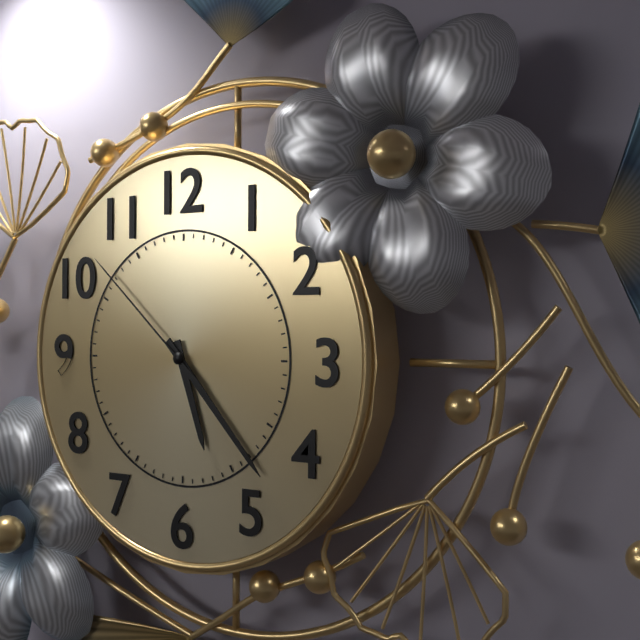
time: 5:23:52
